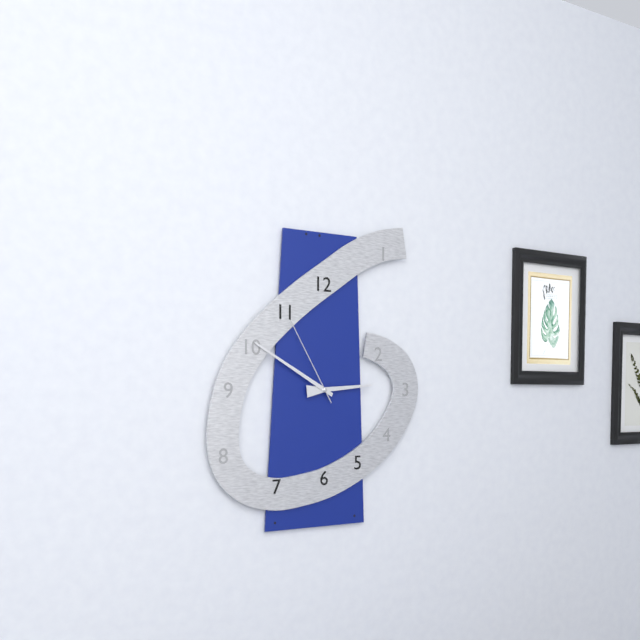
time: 2:50:55
